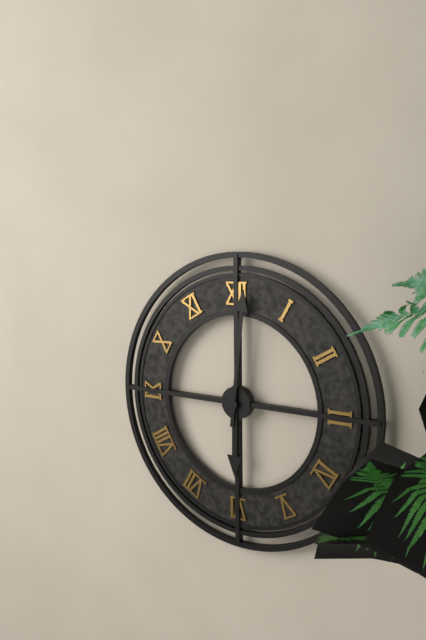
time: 6:01
